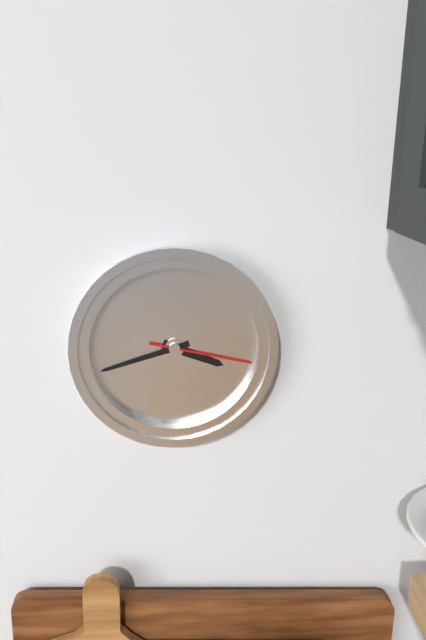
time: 3:42:17
